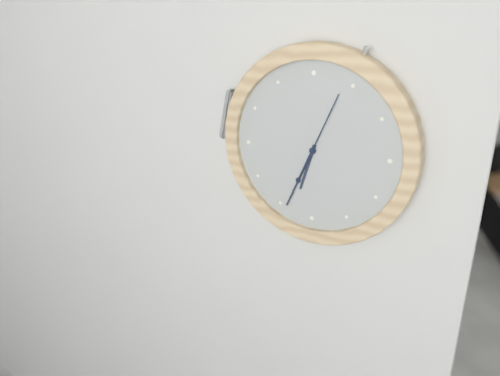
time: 6:34:04
